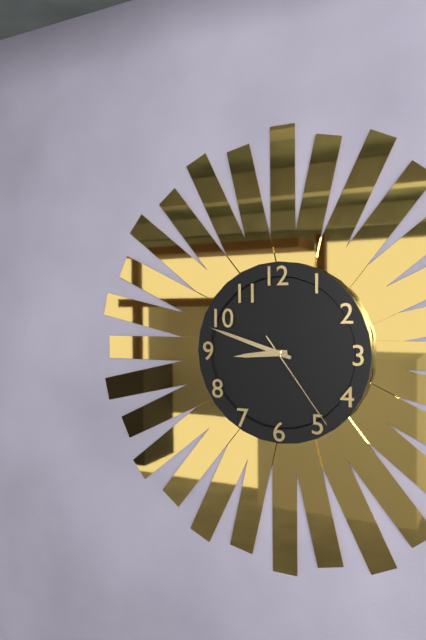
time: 8:48:24
